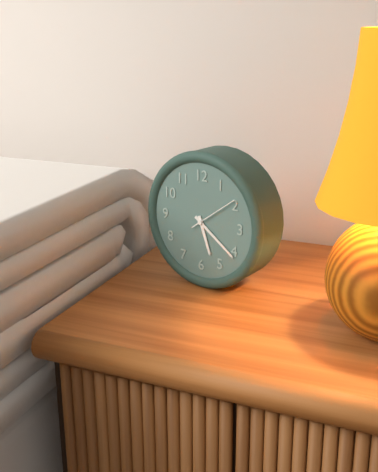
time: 5:21:09
